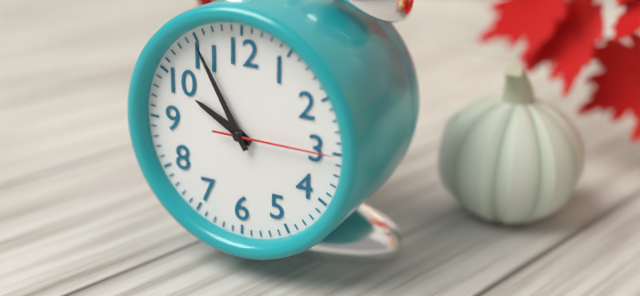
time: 9:55:15
